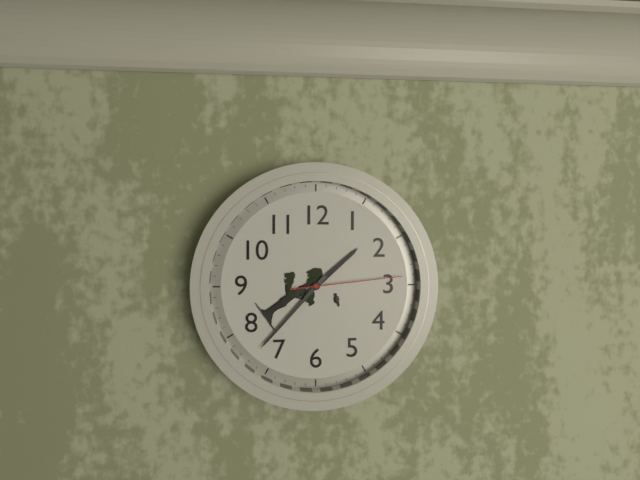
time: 1:37:14
